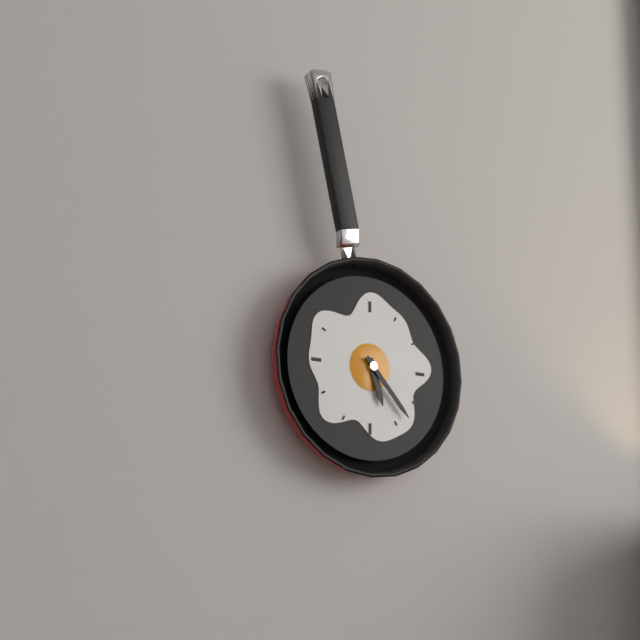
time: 5:23
